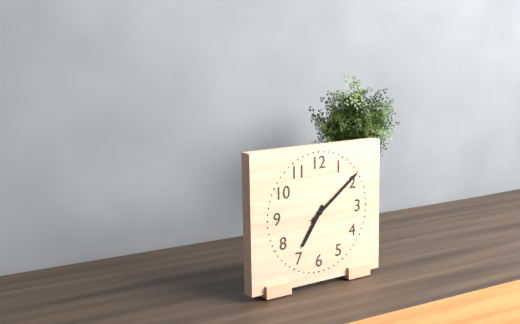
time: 7:09
